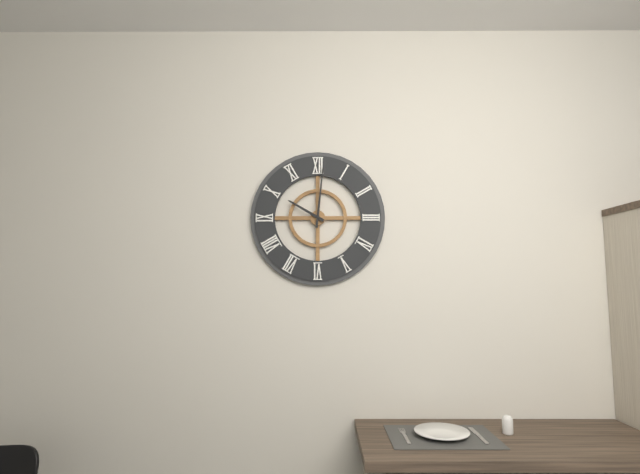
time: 10:01
